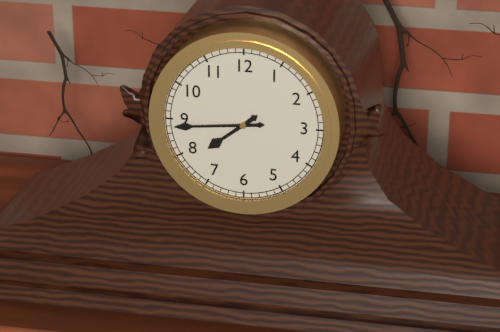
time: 7:44
